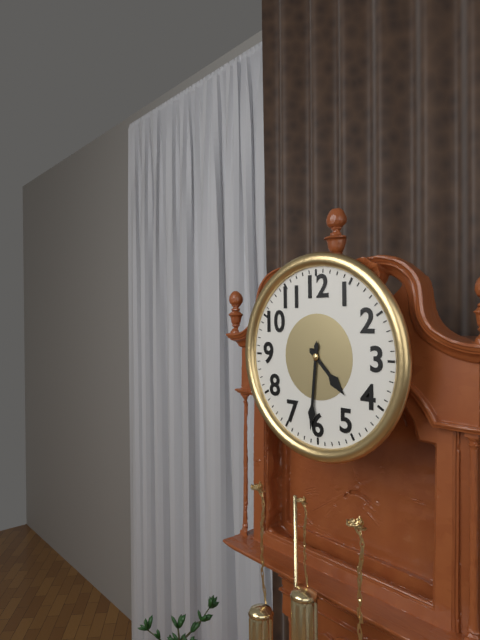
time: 4:31
